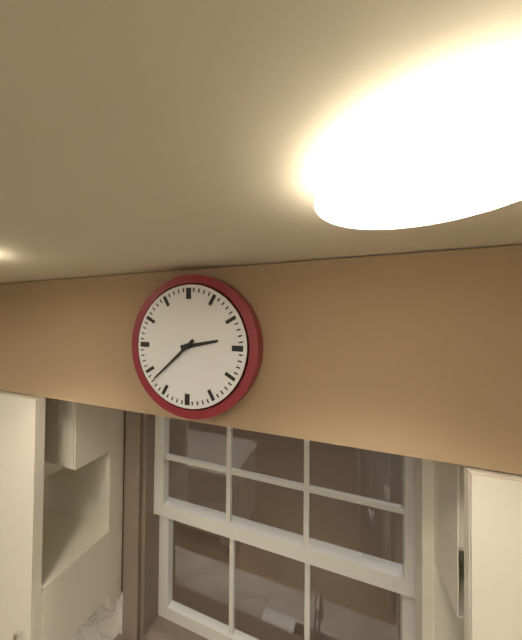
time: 2:38
